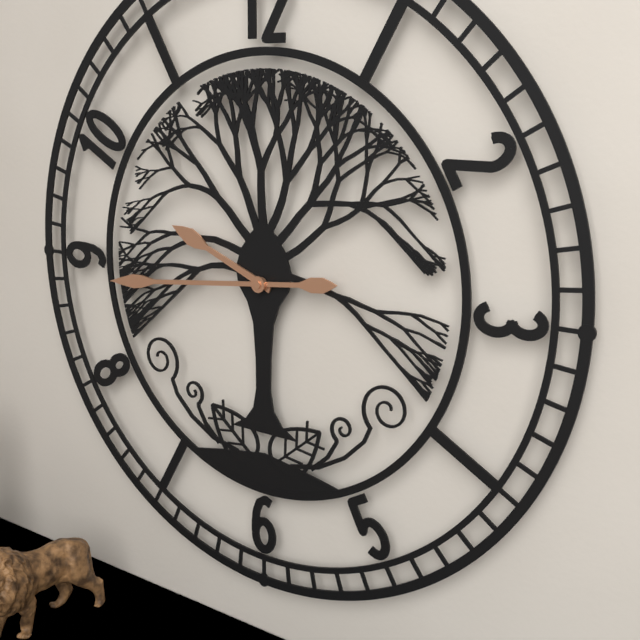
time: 9:44
